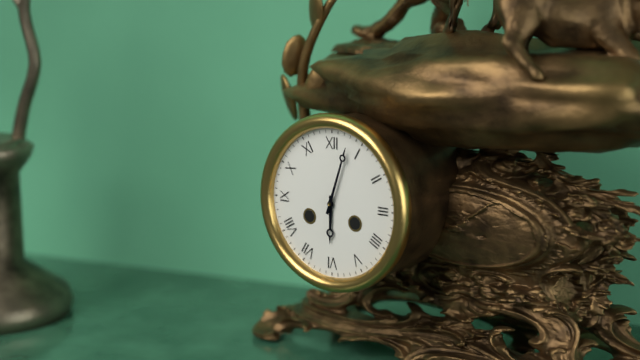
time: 6:03
